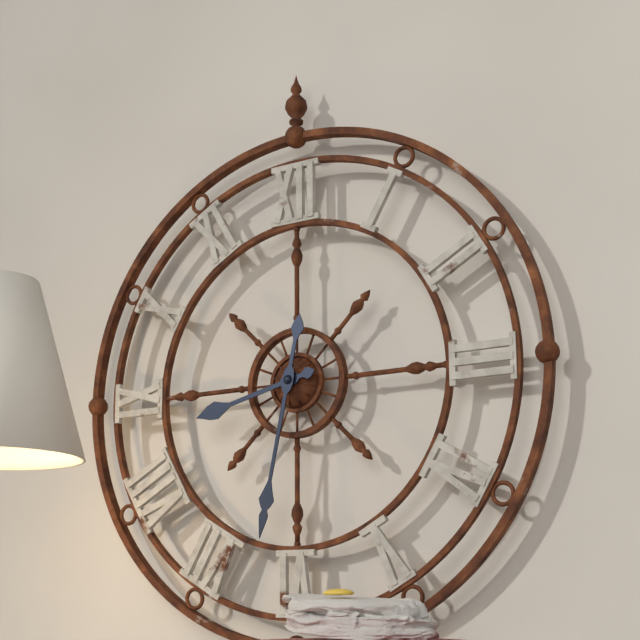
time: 8:32
